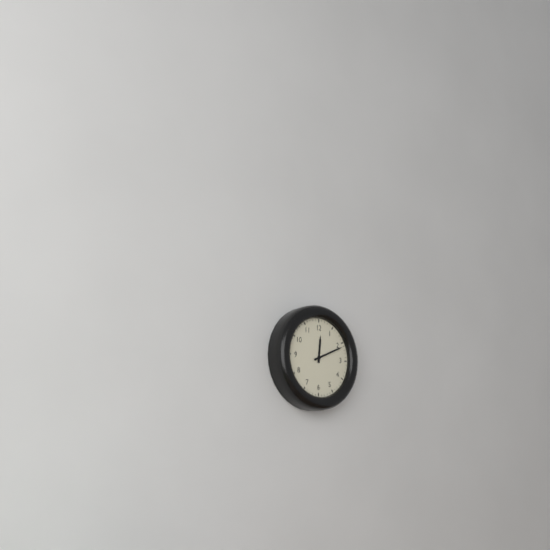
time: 12:11
